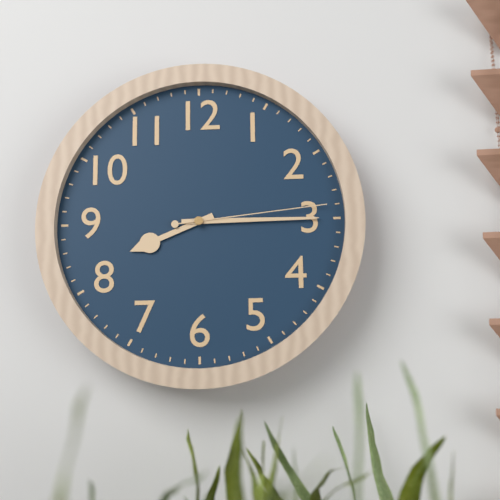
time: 8:15:14
